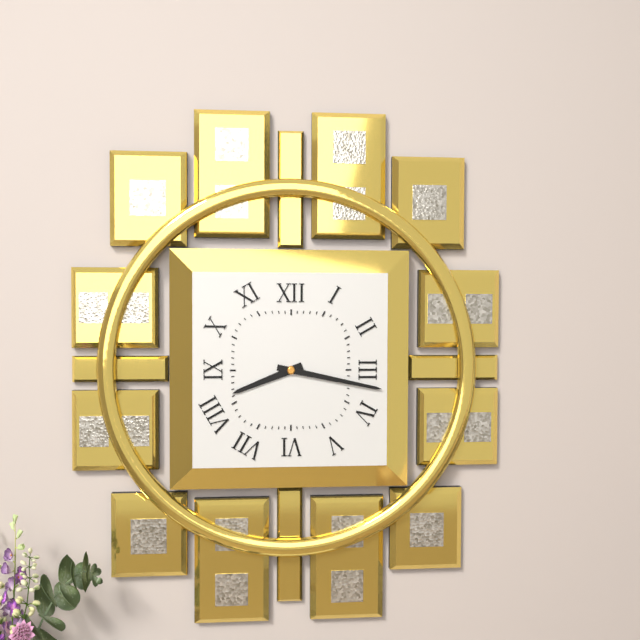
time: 8:17
